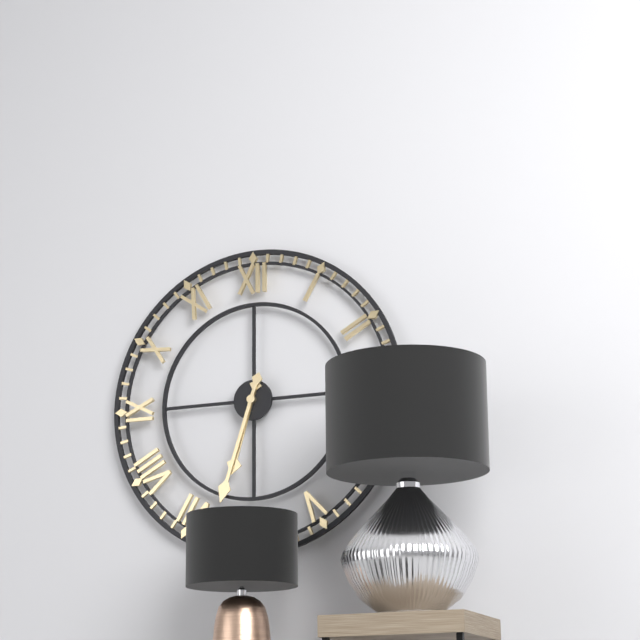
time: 6:33
